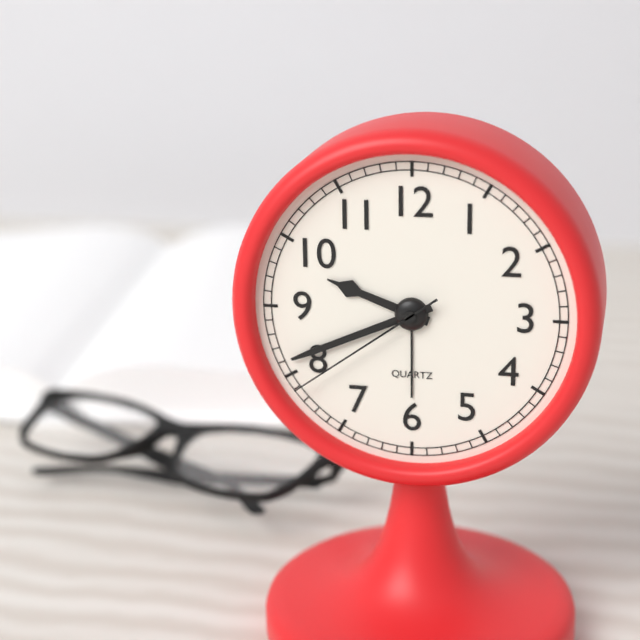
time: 9:41:39
